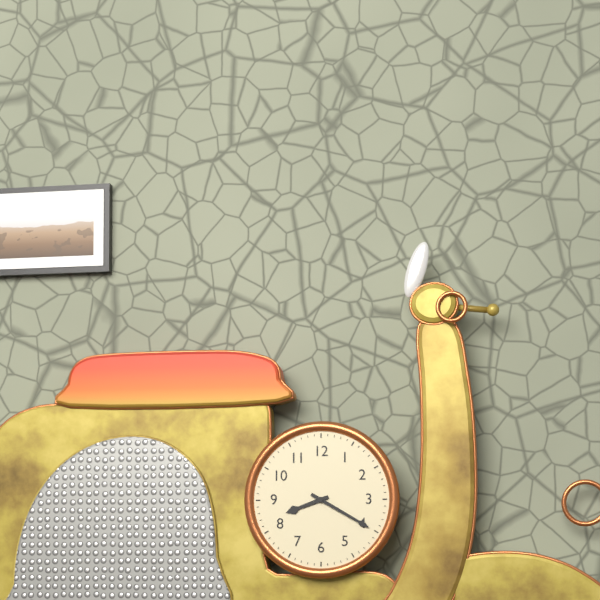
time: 8:20
